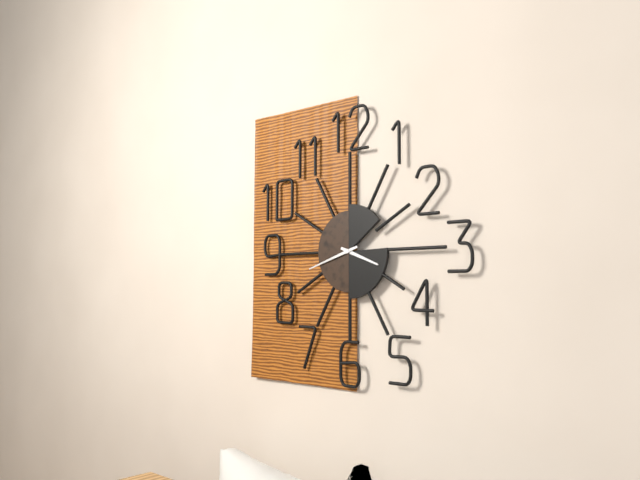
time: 3:42
